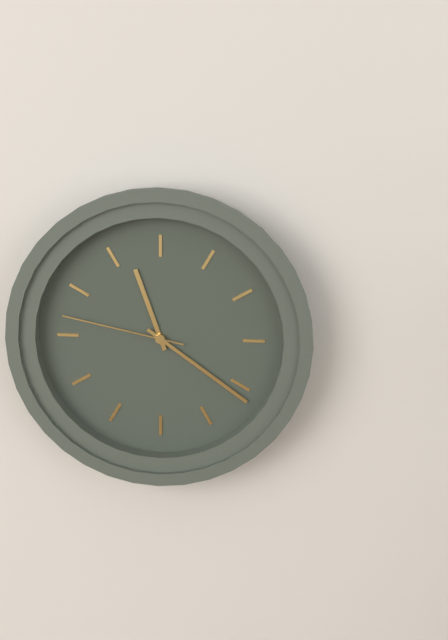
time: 11:21:47
